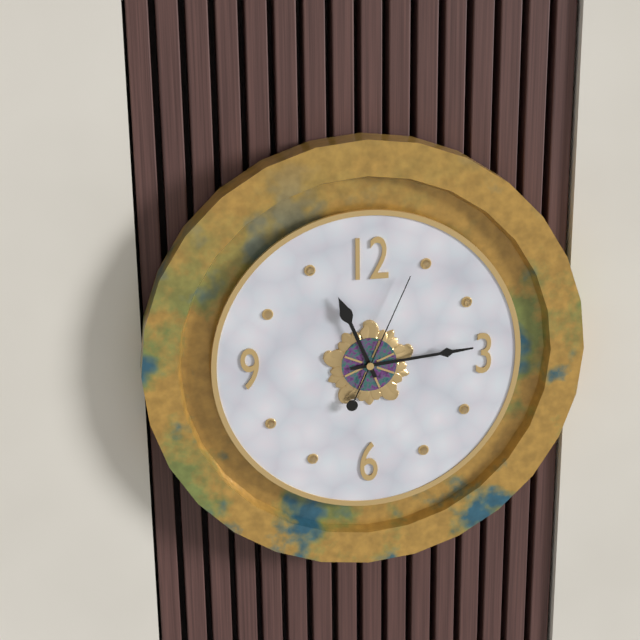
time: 11:14:04
